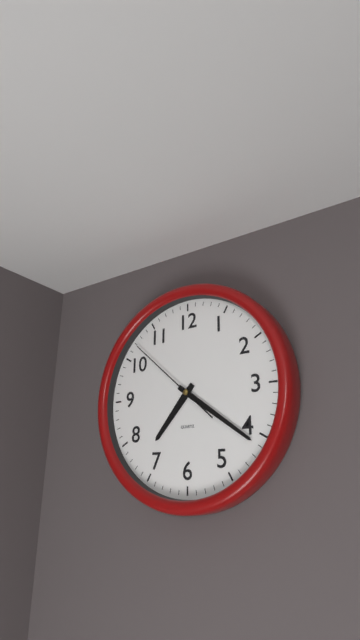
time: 7:21:52
